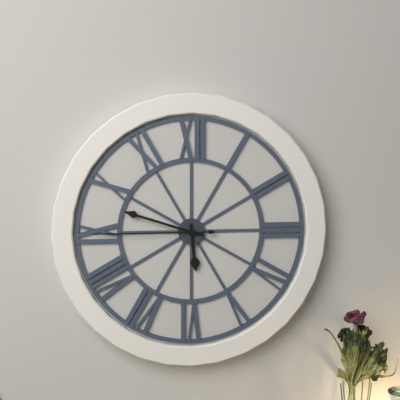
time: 5:48:45
